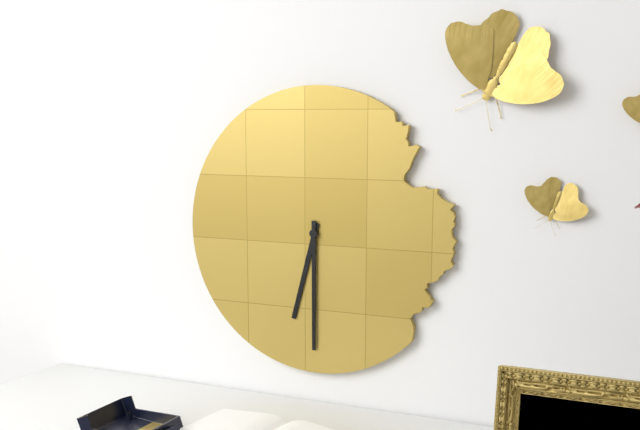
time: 6:30
